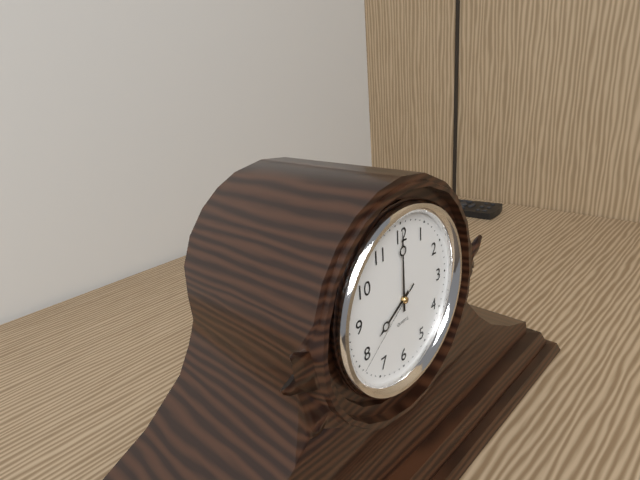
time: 8:00:39
